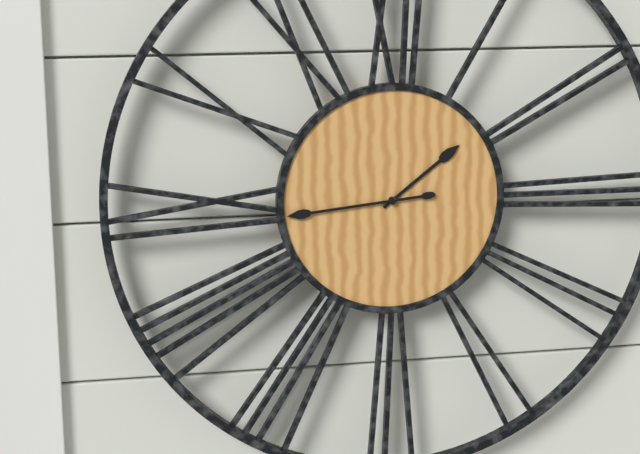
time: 1:44
